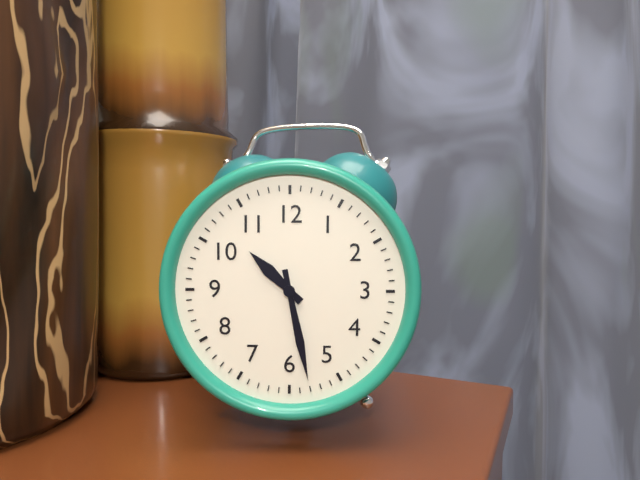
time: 10:28
